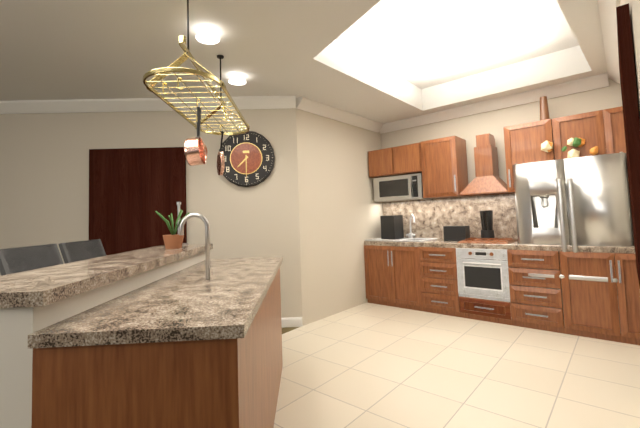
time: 7:30
